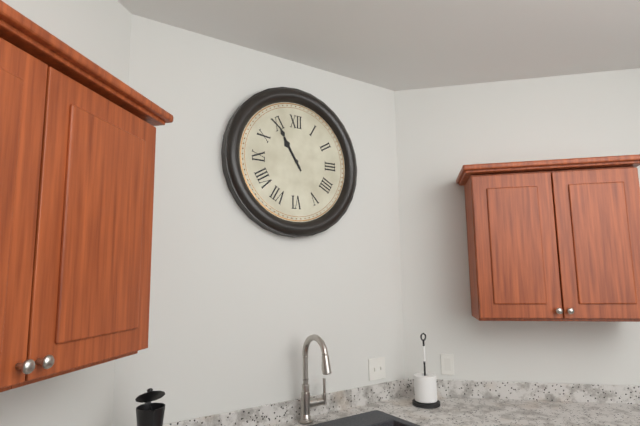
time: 10:55
